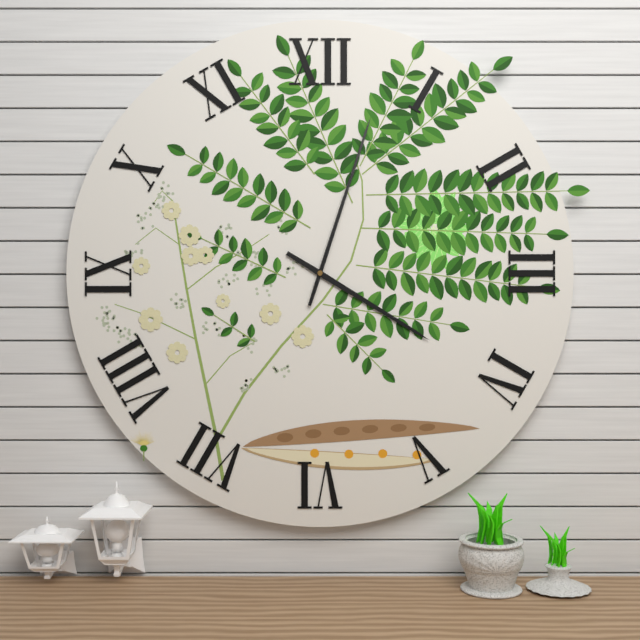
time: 4:03
